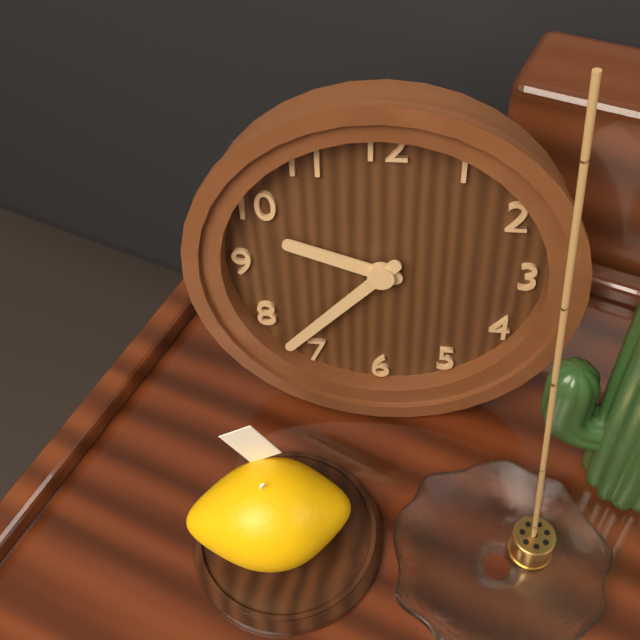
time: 9:37
